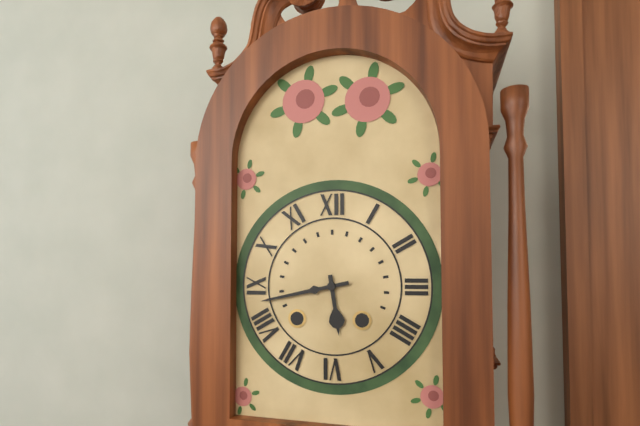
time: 5:43
